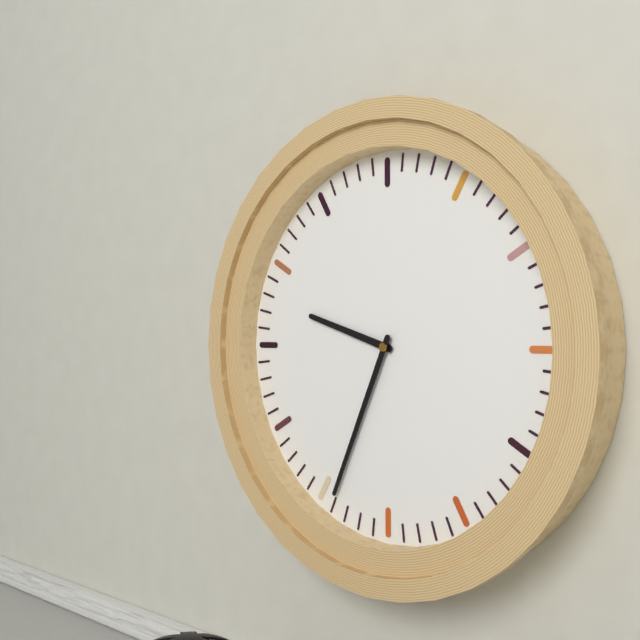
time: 9:34
